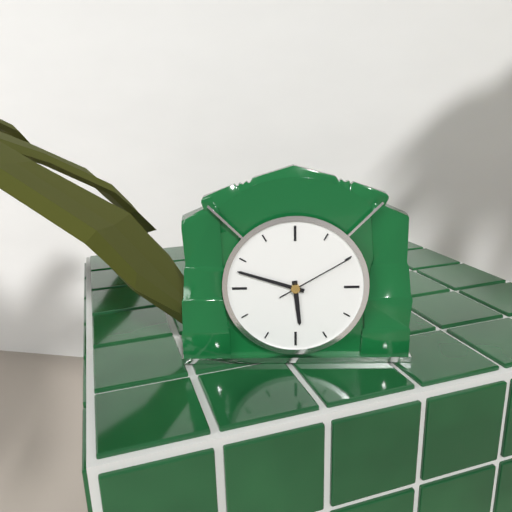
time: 5:48:10
